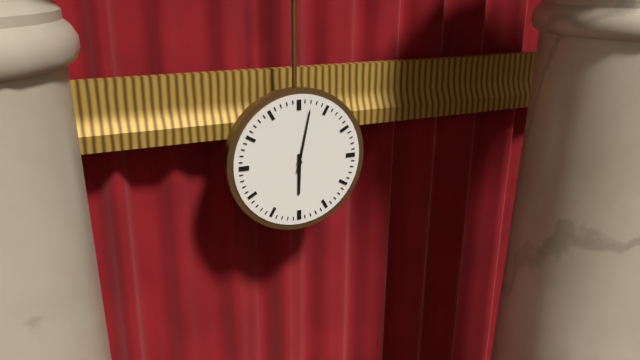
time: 6:02
